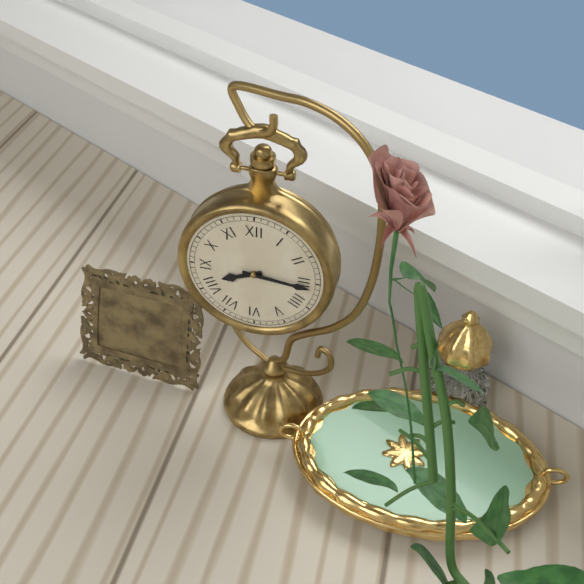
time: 8:16
